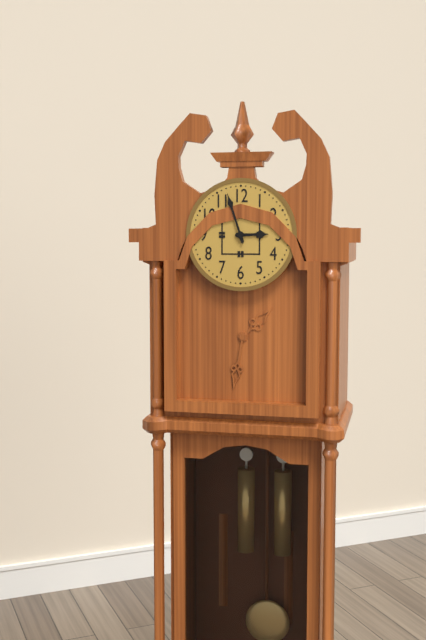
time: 2:57
